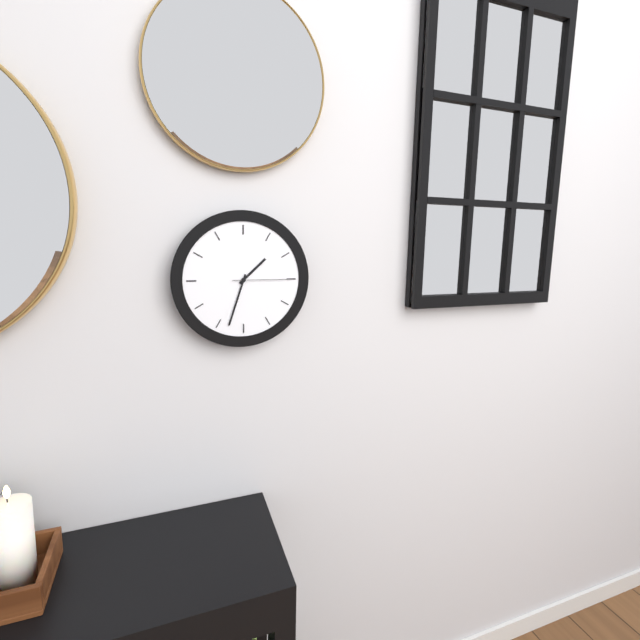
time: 1:33:15
